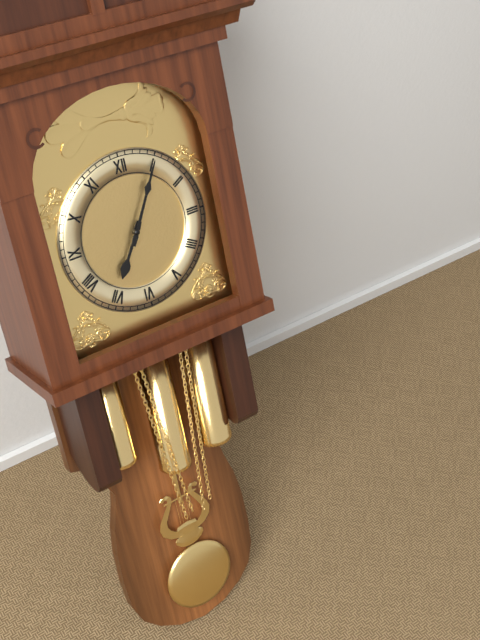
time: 7:05
